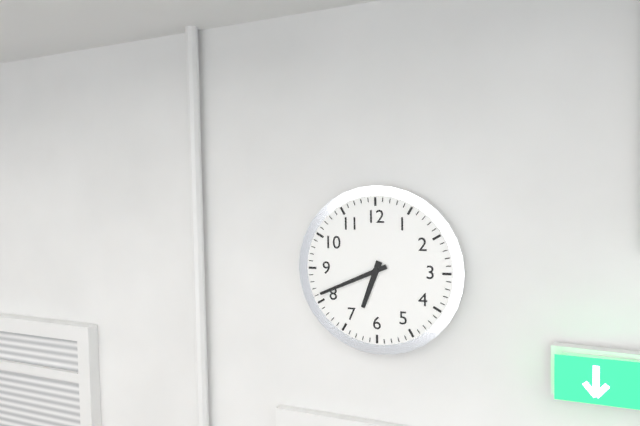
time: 6:41
